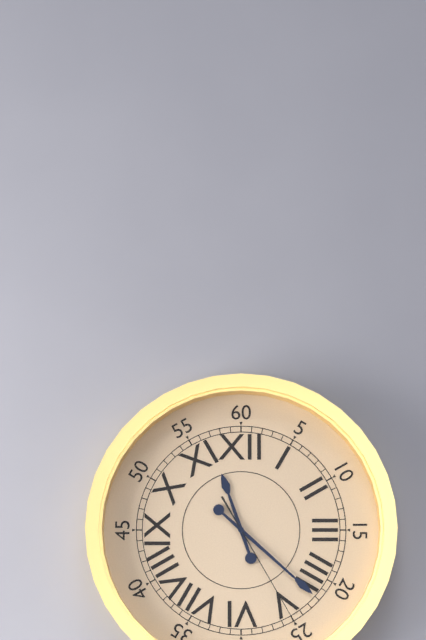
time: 11:22:25
